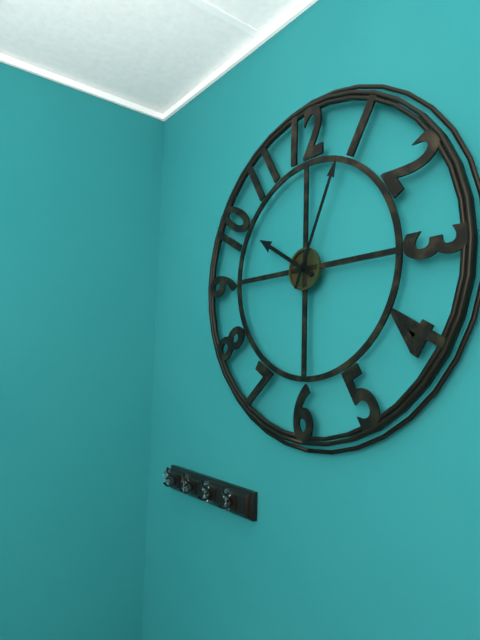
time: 10:04
